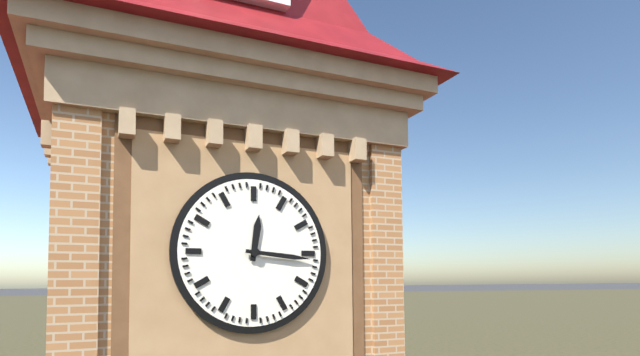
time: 12:16
